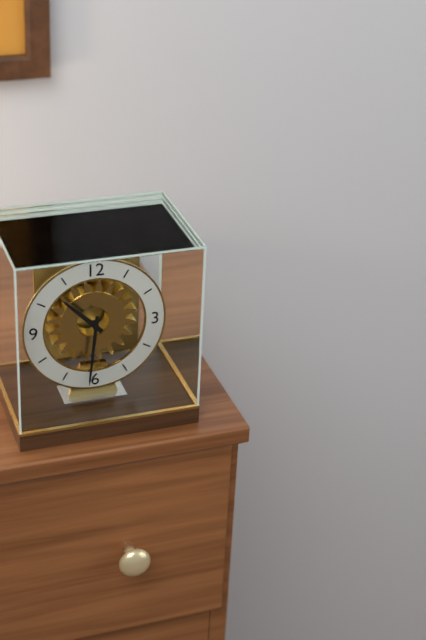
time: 10:31
